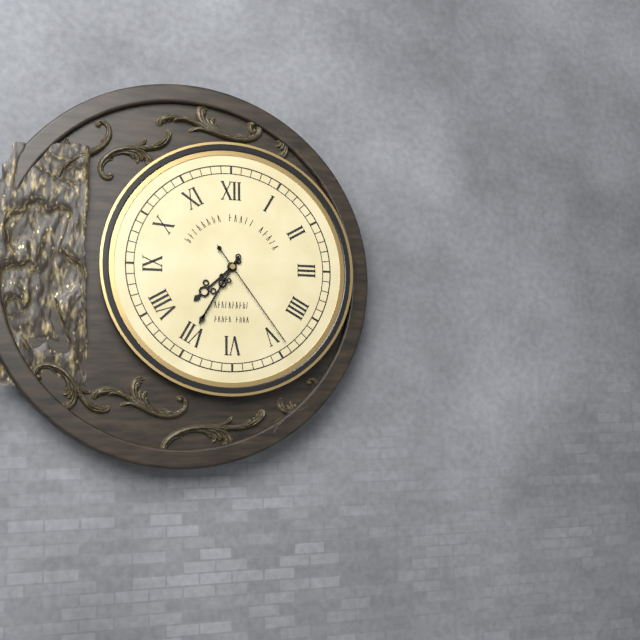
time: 7:35:24
